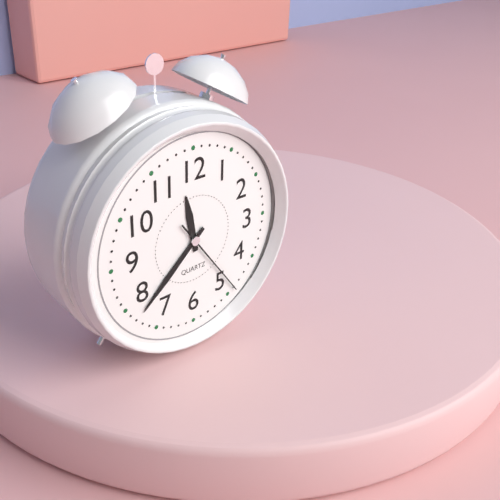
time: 11:38:24
